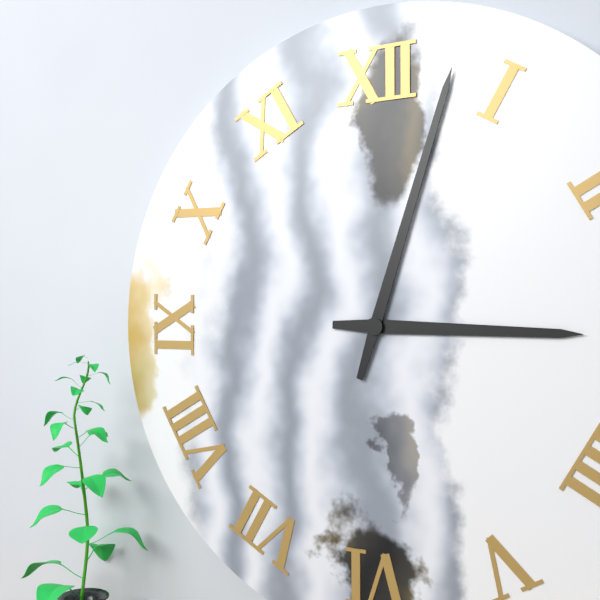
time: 3:03
